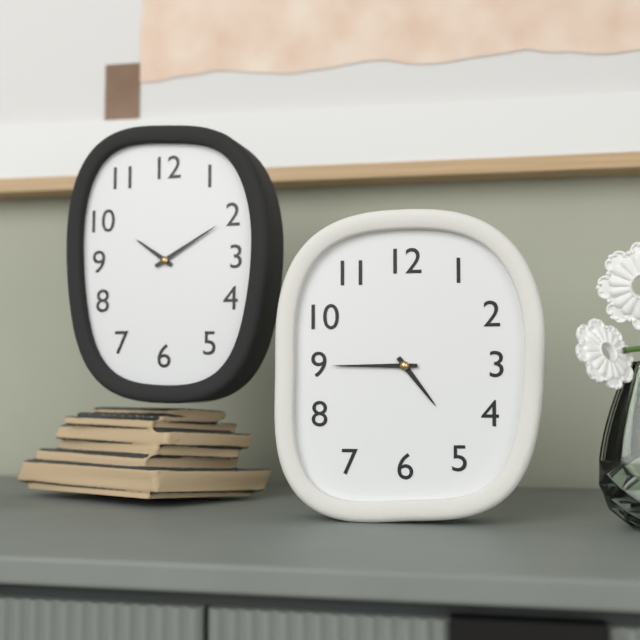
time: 4:45
